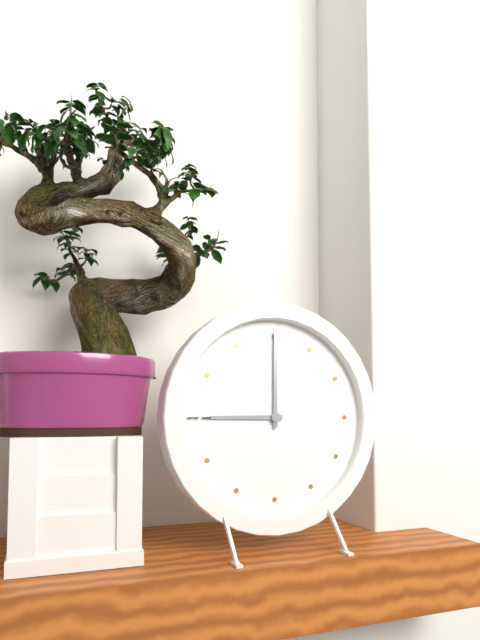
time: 9:00
